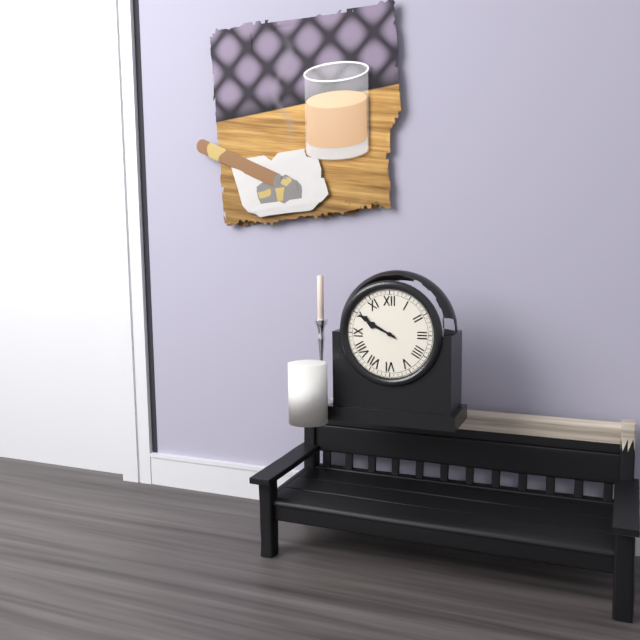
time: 9:50
